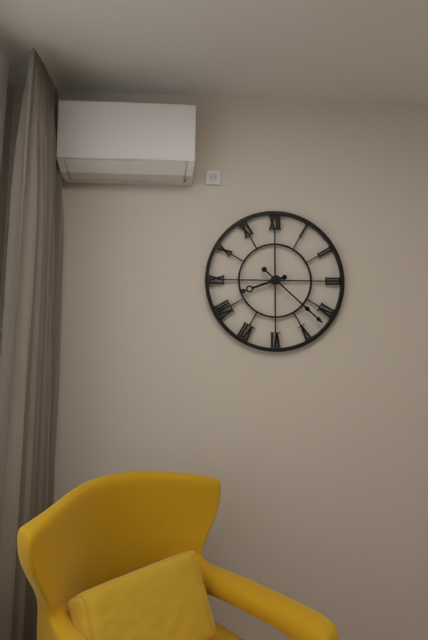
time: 8:22
